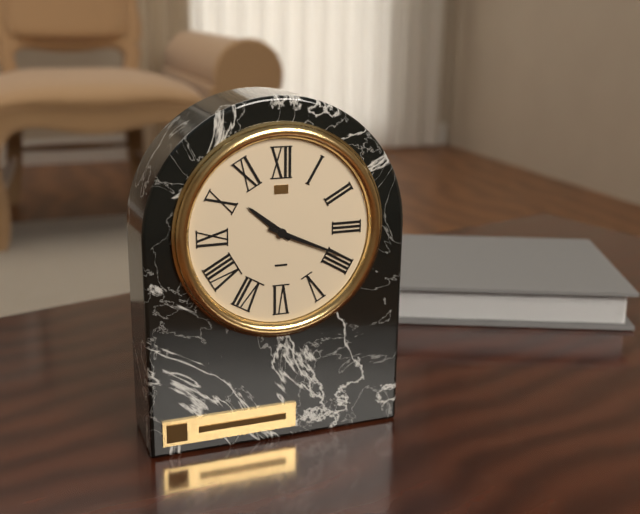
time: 10:19
